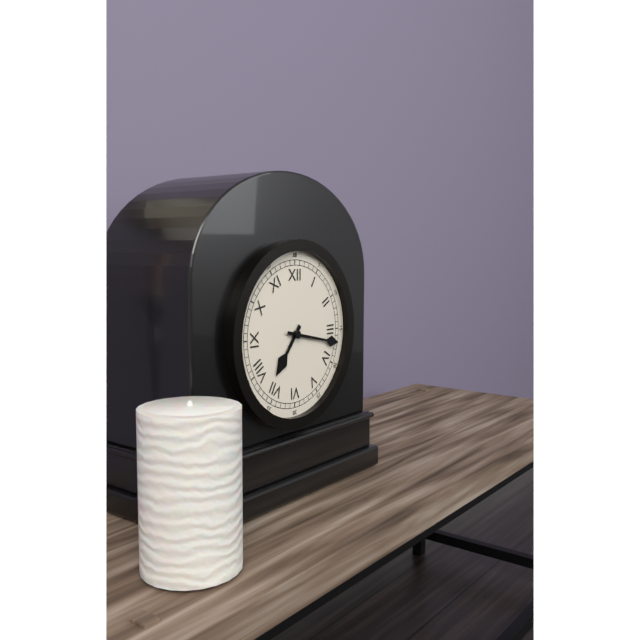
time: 7:17
